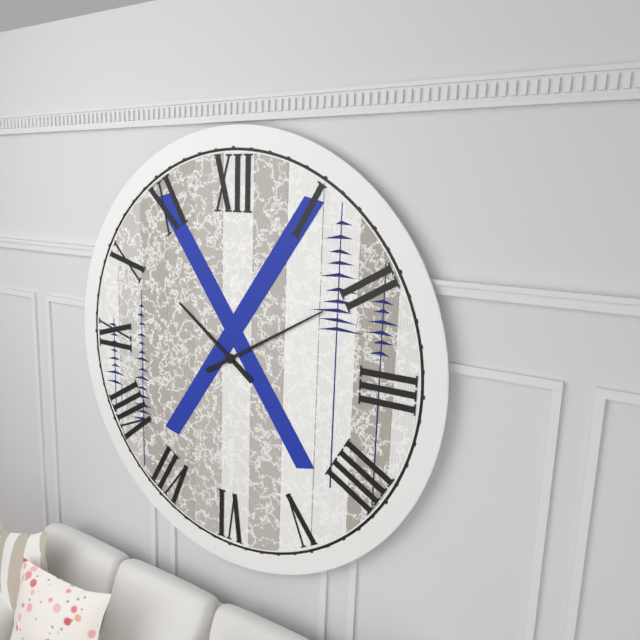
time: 10:10
